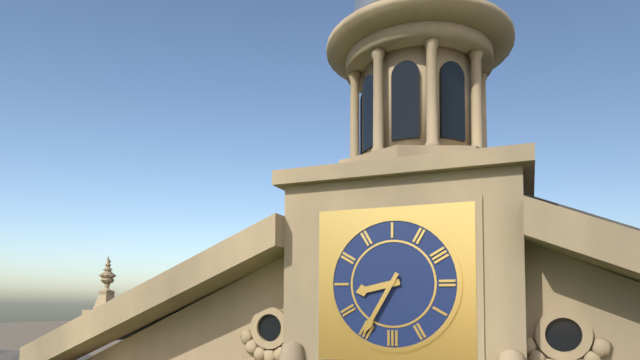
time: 8:35
